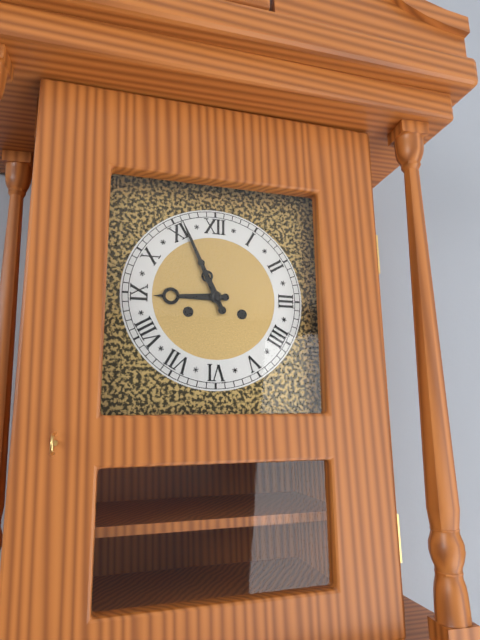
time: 8:56
